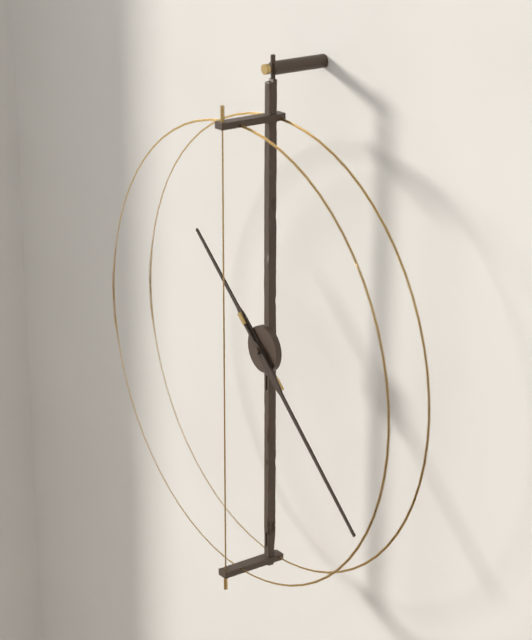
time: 10:22
